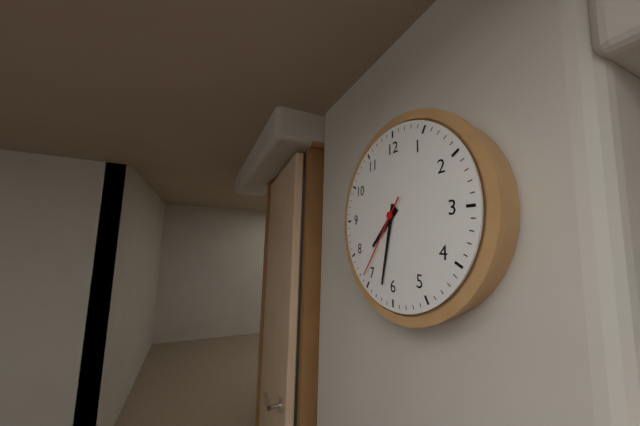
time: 7:32:36
